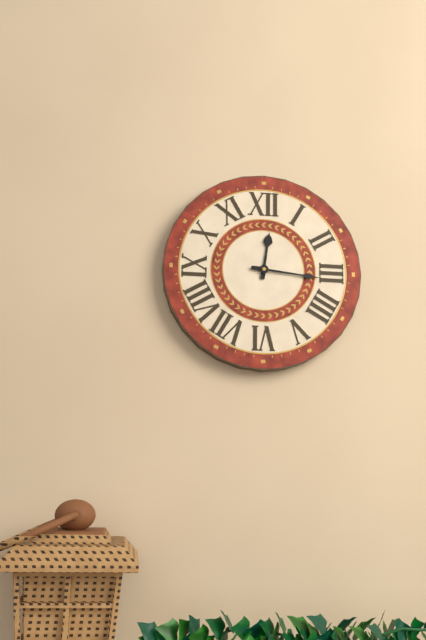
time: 12:16
